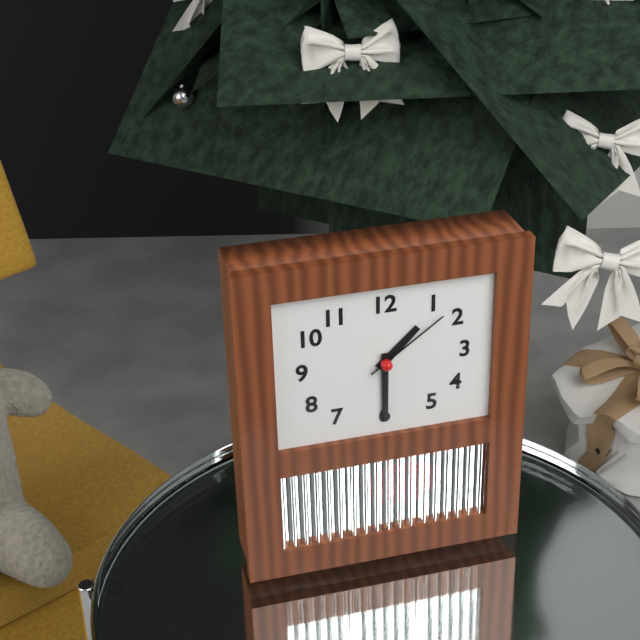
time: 1:30:09
